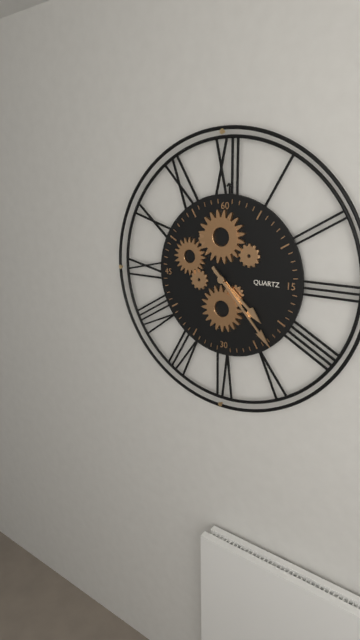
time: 4:23
